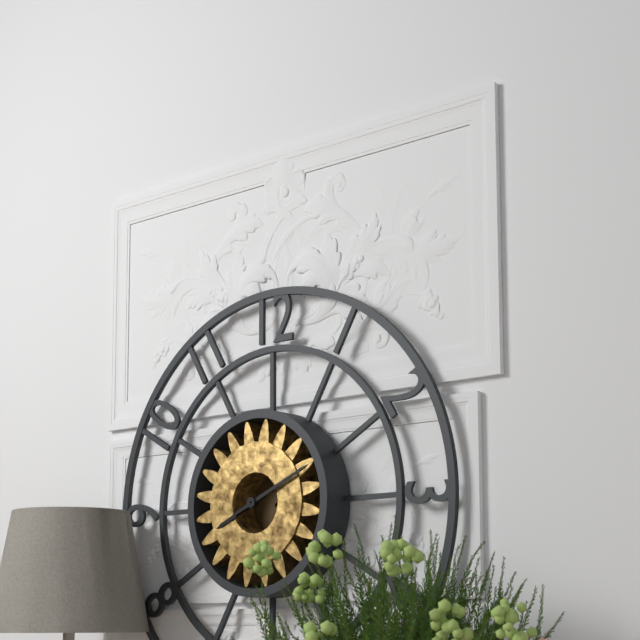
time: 8:11
